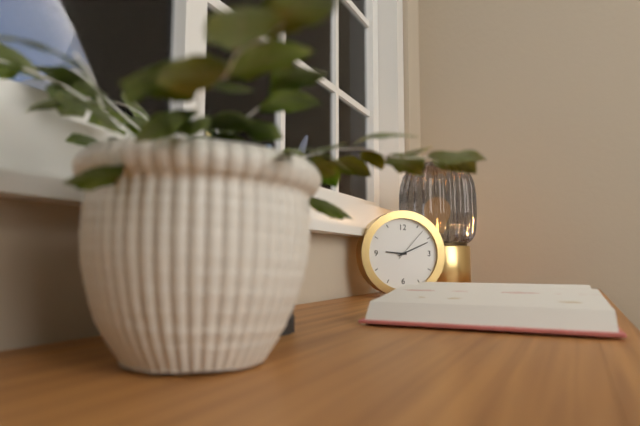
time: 9:11
